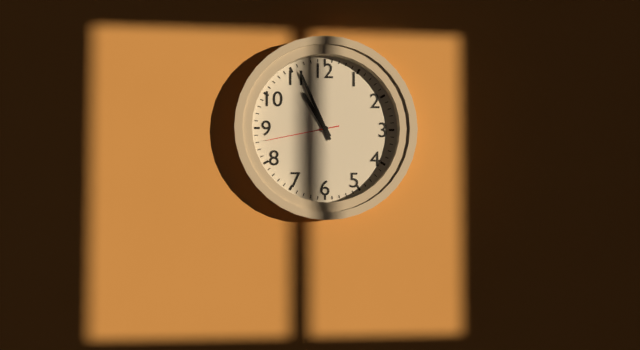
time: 10:56:43
